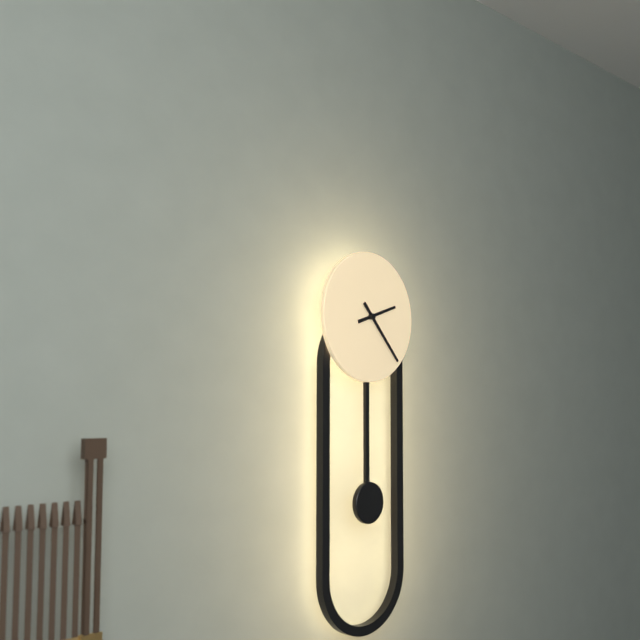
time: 2:23
